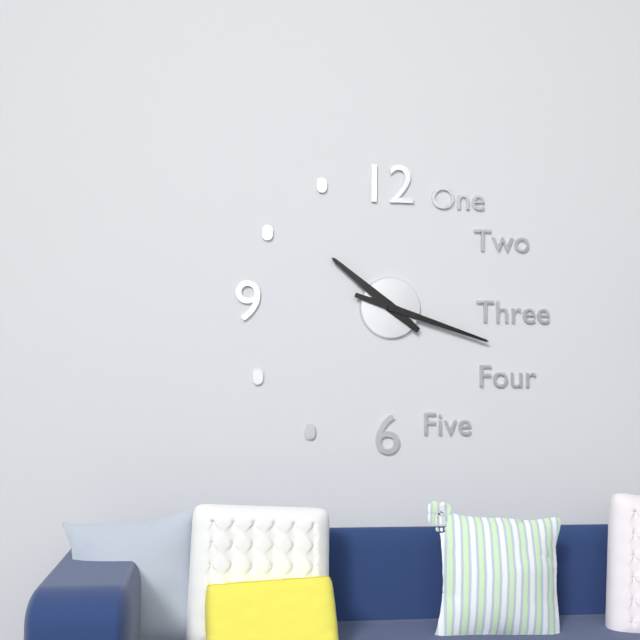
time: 10:18
